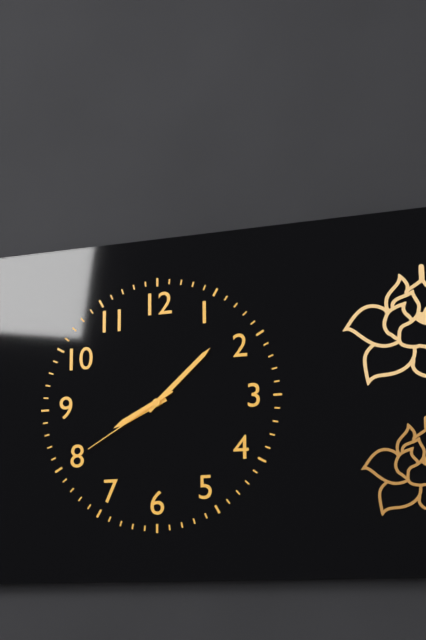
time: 8:08:40
